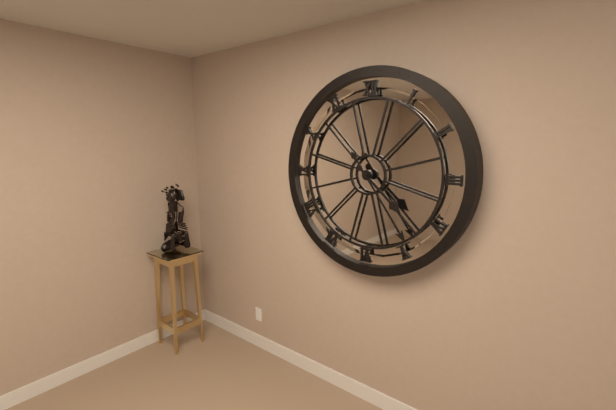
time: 4:24
